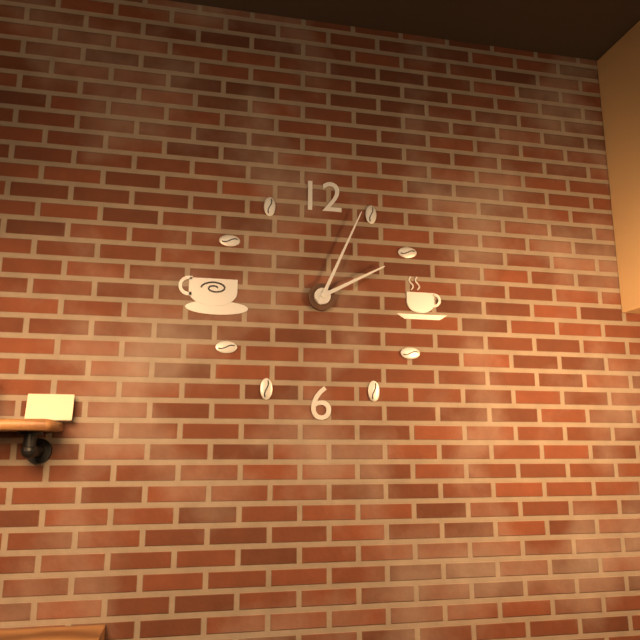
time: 2:04
